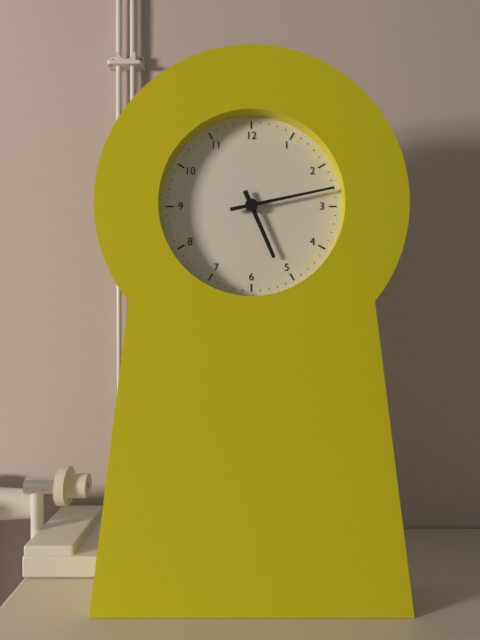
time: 5:13
